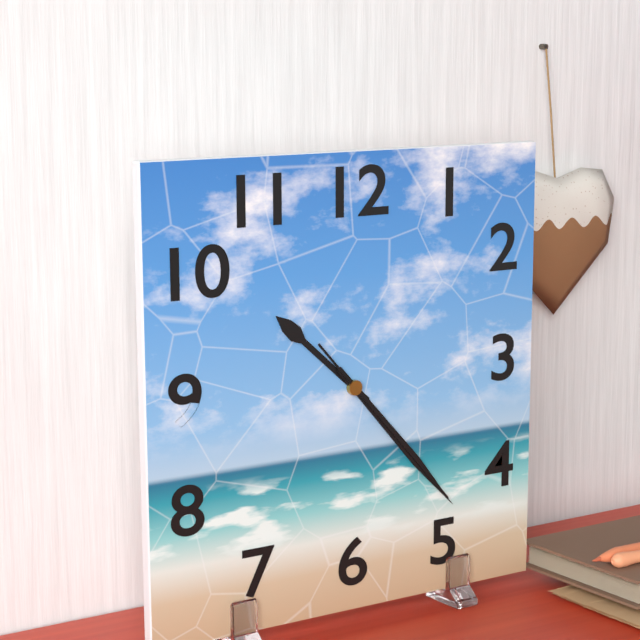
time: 10:23:23
